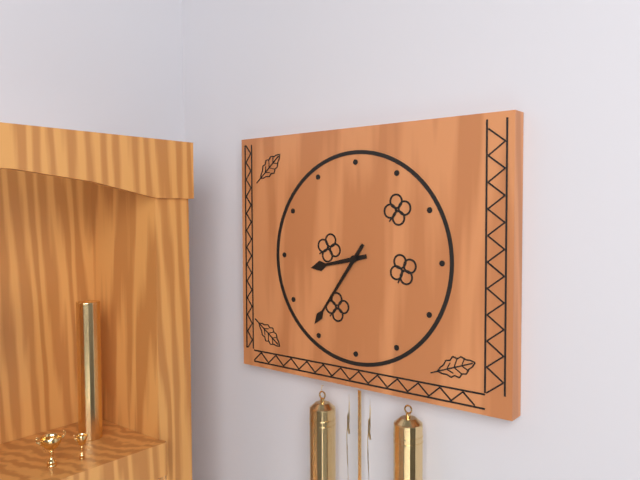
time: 8:36
